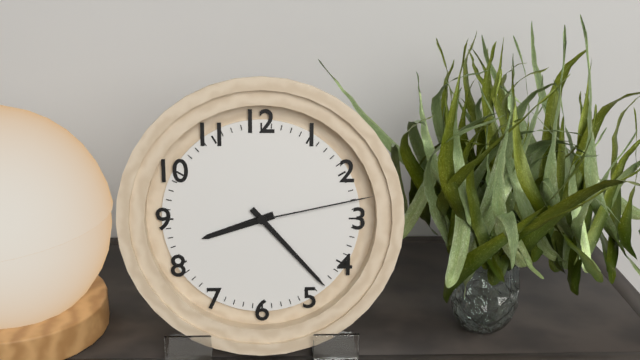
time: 8:23:13
